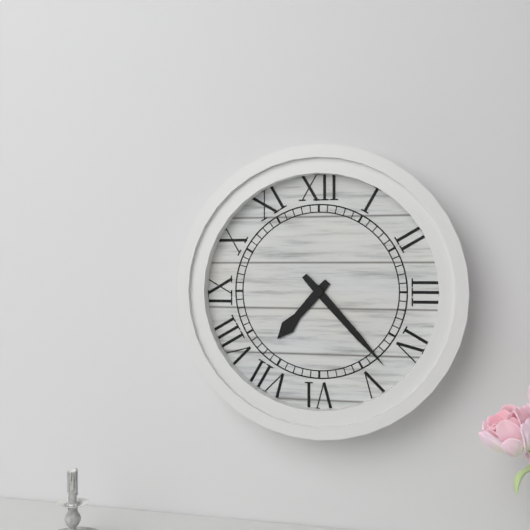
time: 7:23
